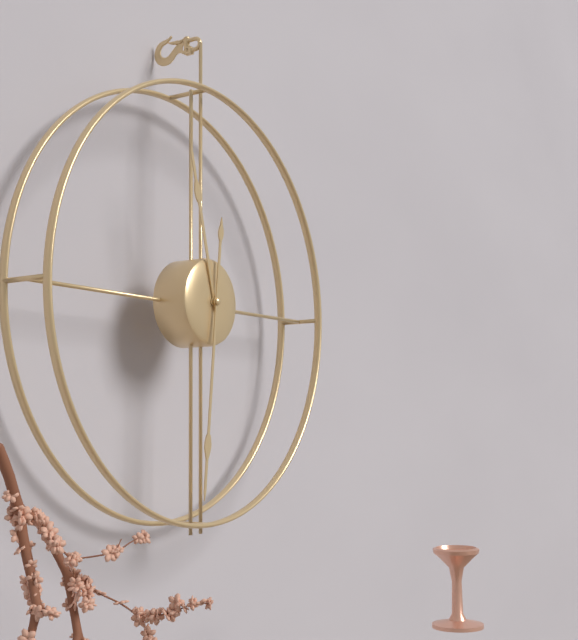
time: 11:31
